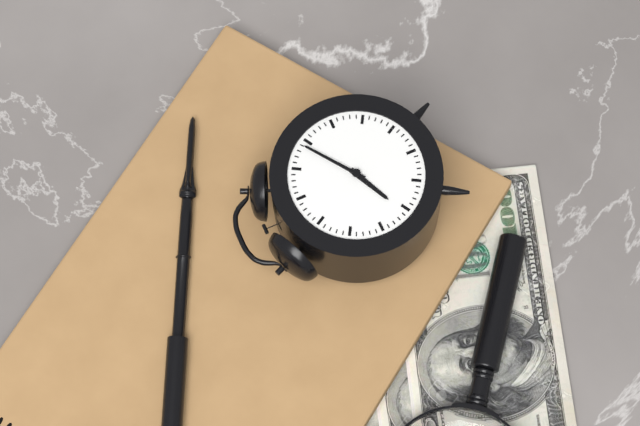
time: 8:09
